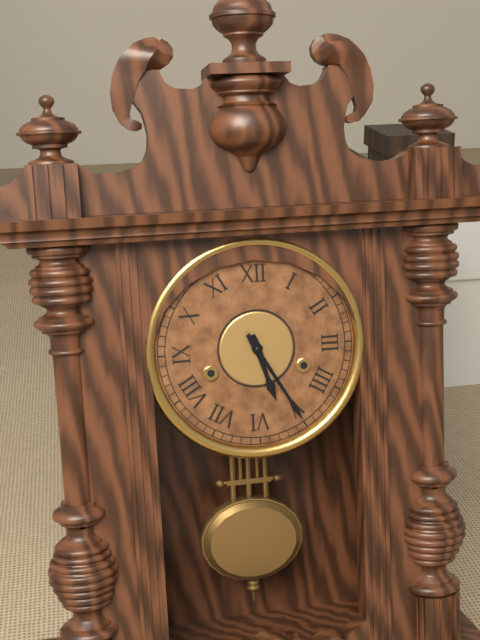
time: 5:25
